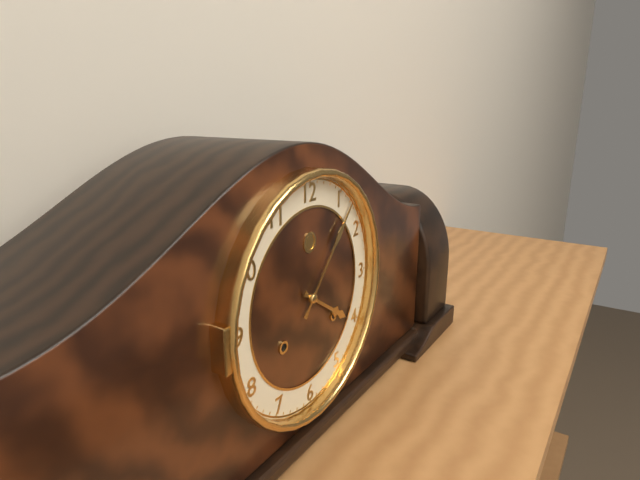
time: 4:07
